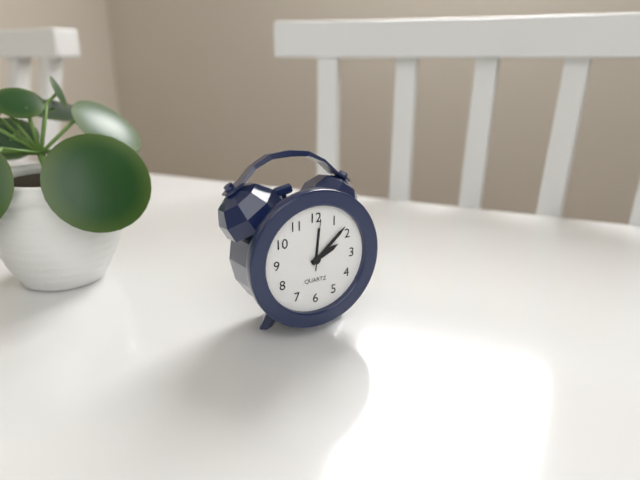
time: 2:08:01
